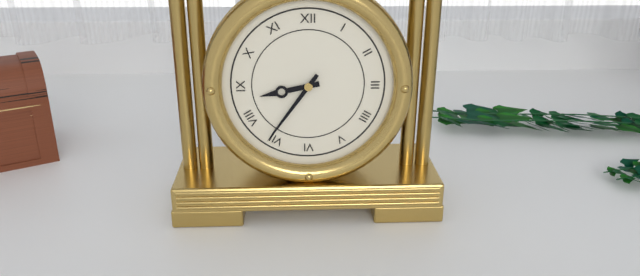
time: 8:36
